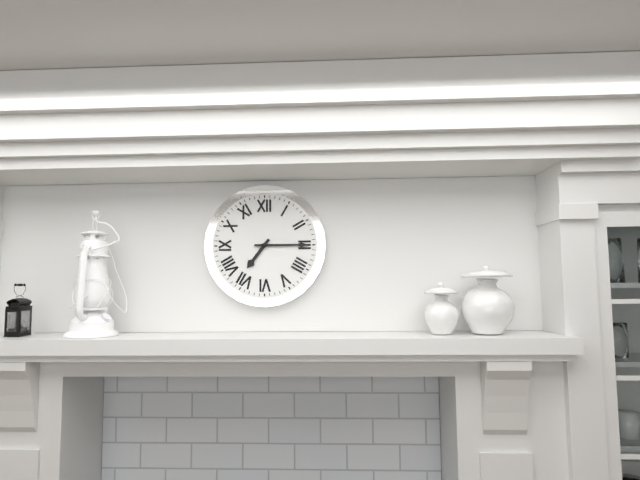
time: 7:15
